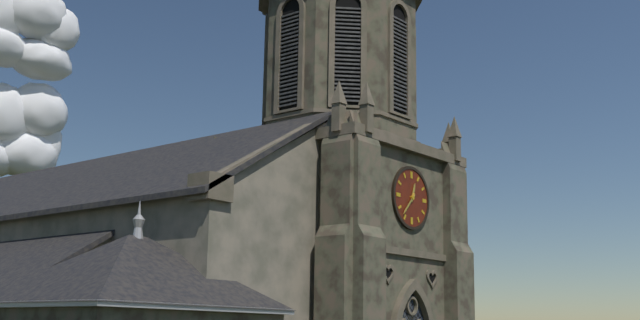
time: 12:37
